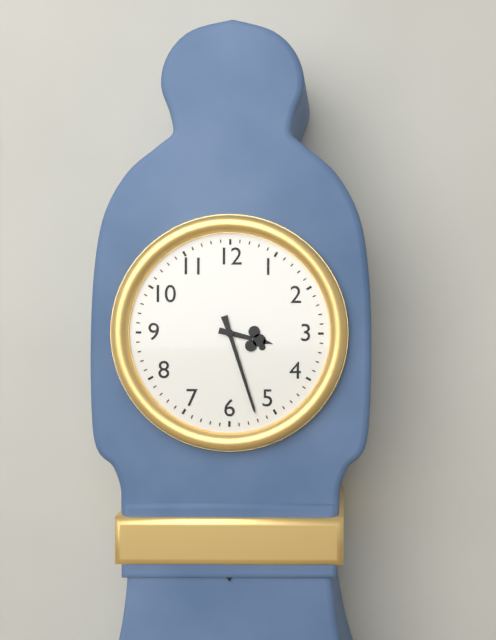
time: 3:27
